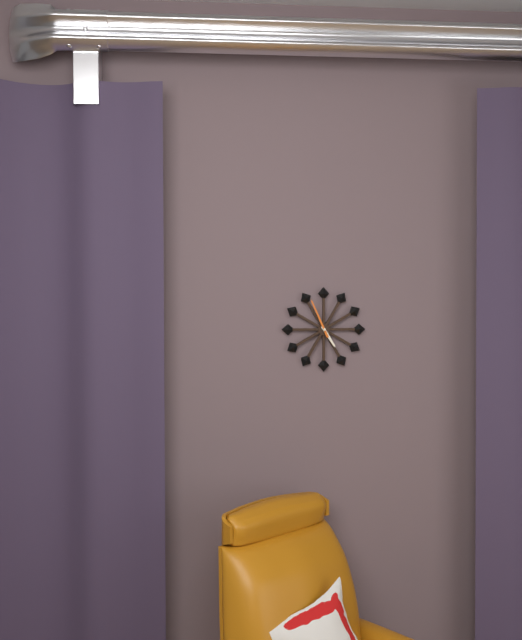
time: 4:56
